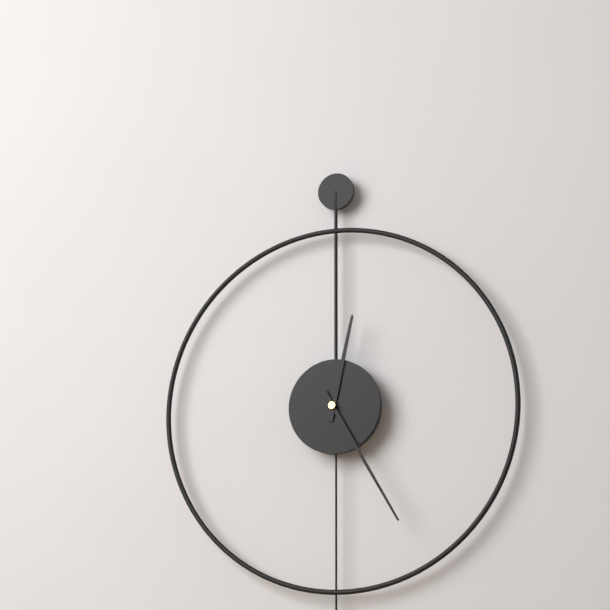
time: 12:25
